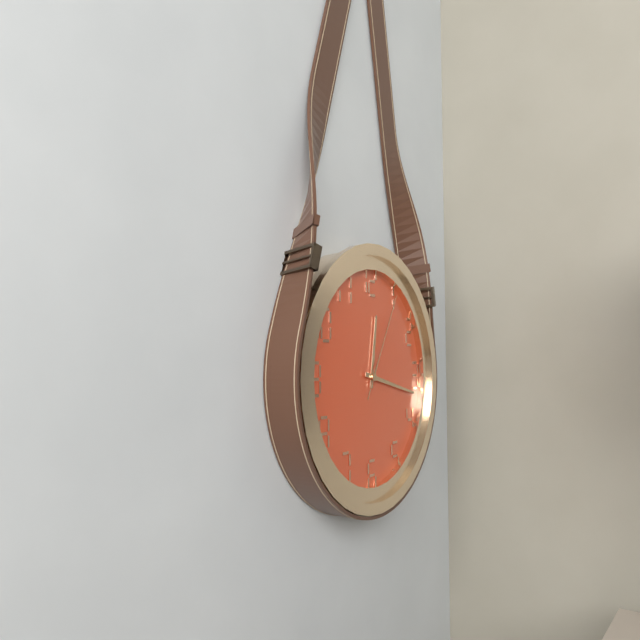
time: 12:17:05
